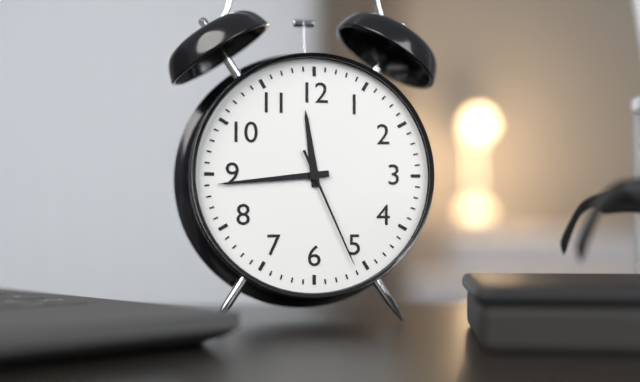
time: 11:44:26
